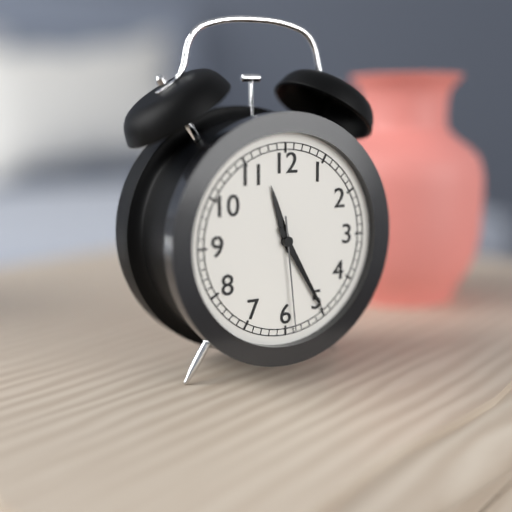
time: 11:25:29
